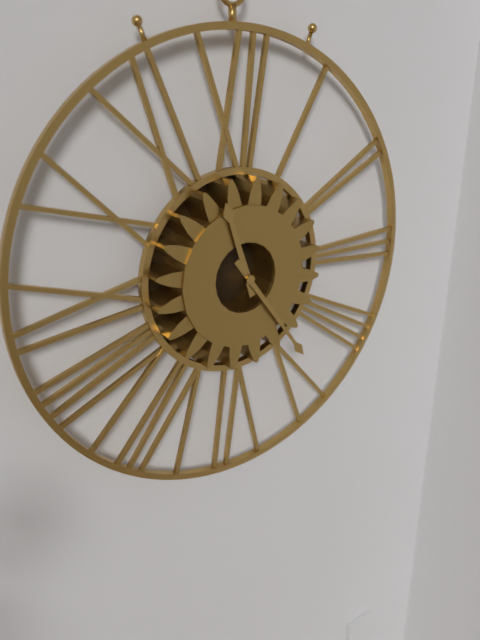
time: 11:24
